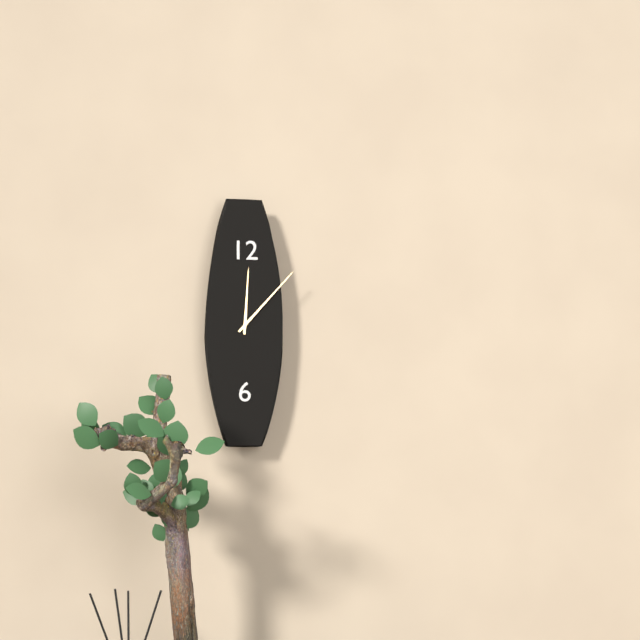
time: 12:07
